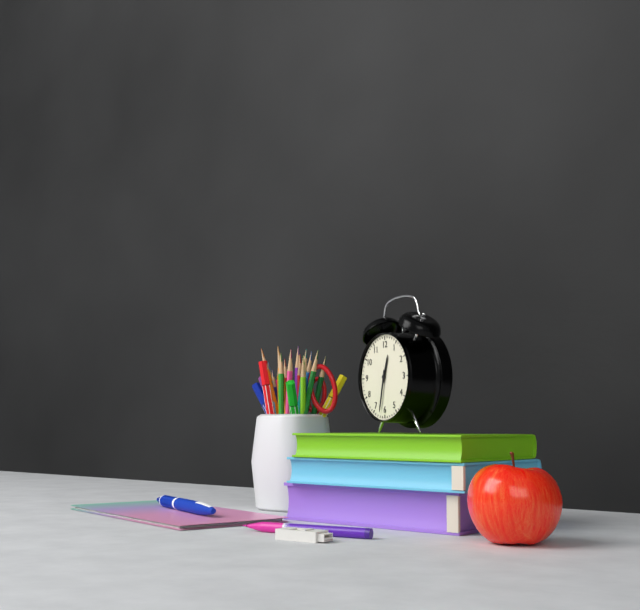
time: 12:32
